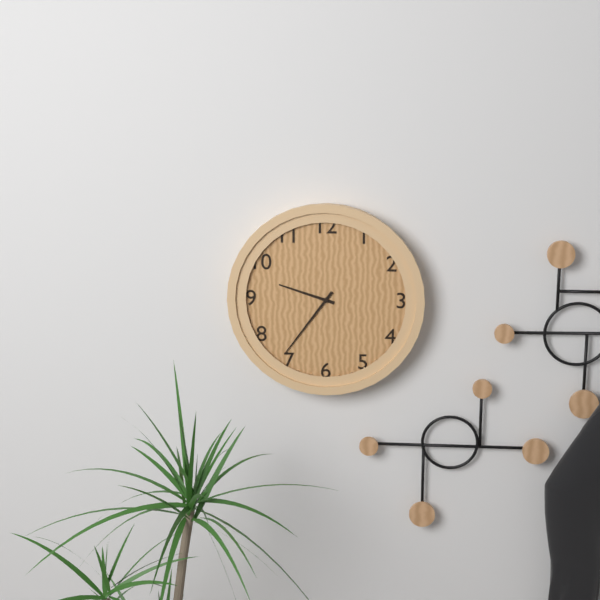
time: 9:36
